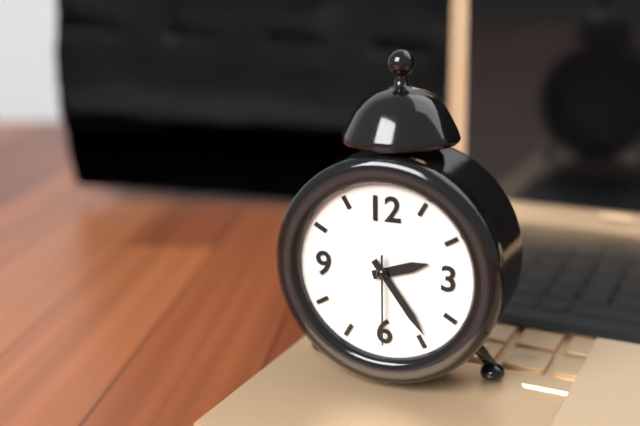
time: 2:24:30
